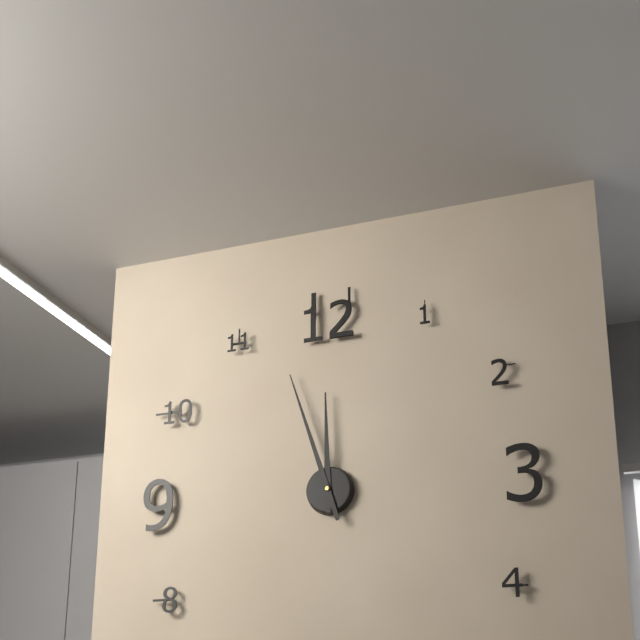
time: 11:57
